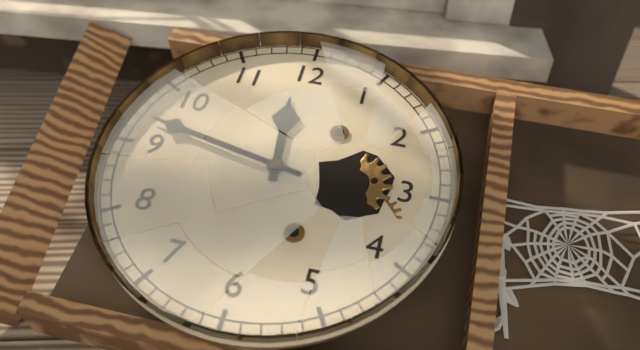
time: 11:47
